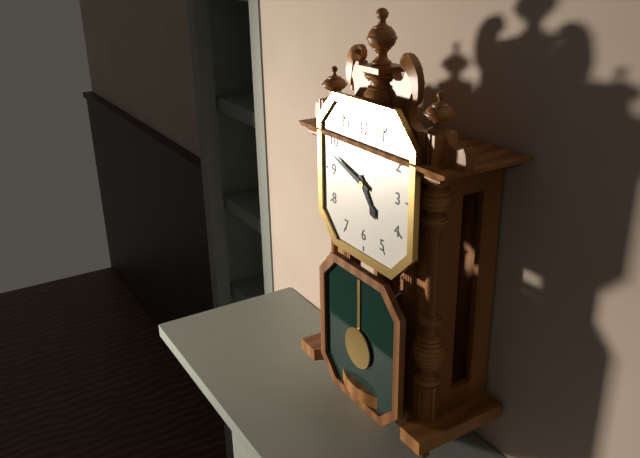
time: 4:48
